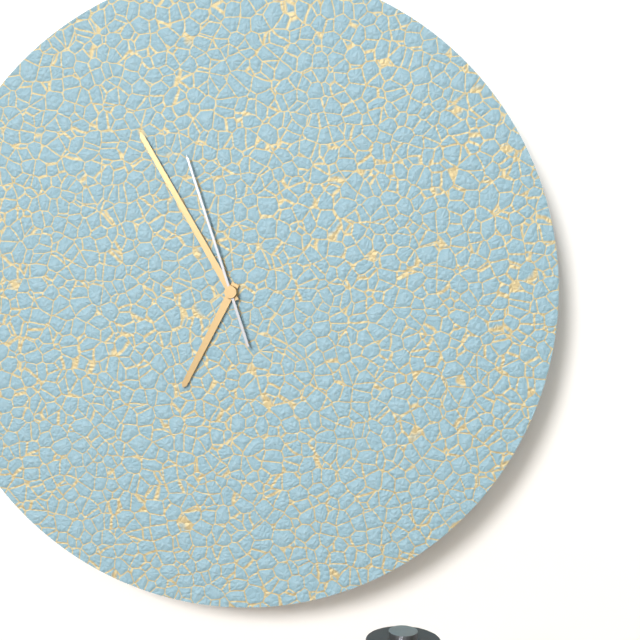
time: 6:55:57
